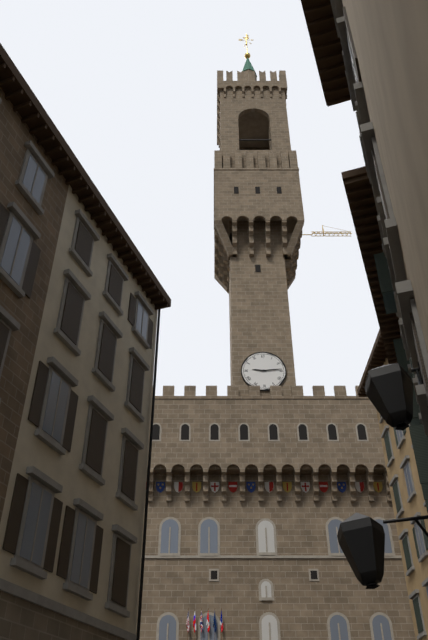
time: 9:14
